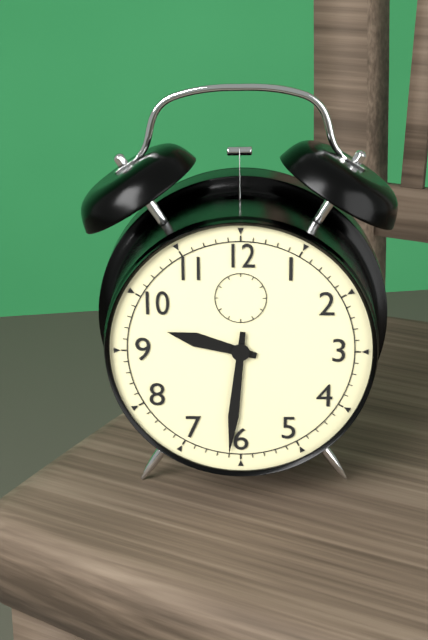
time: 9:31
